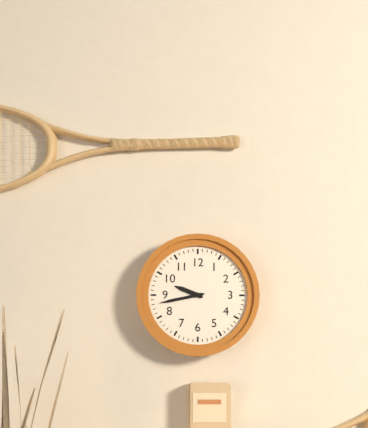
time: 9:43
